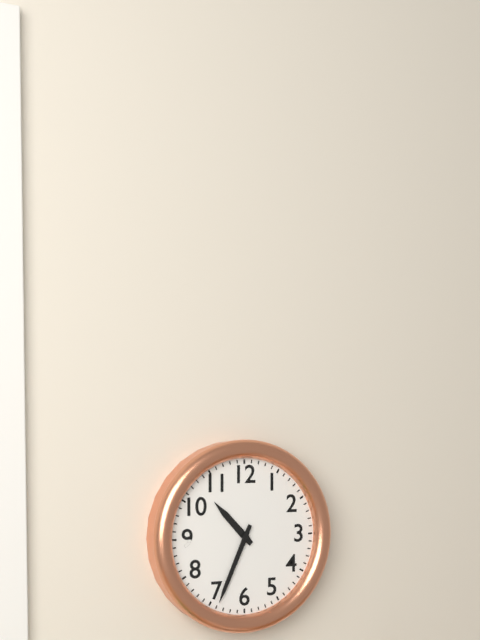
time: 10:34
